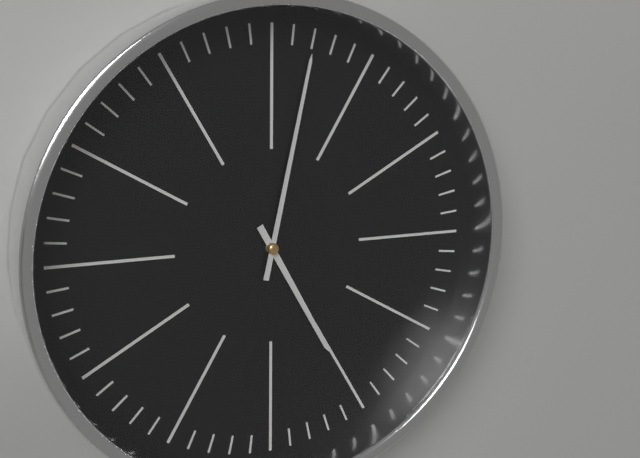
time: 5:02
